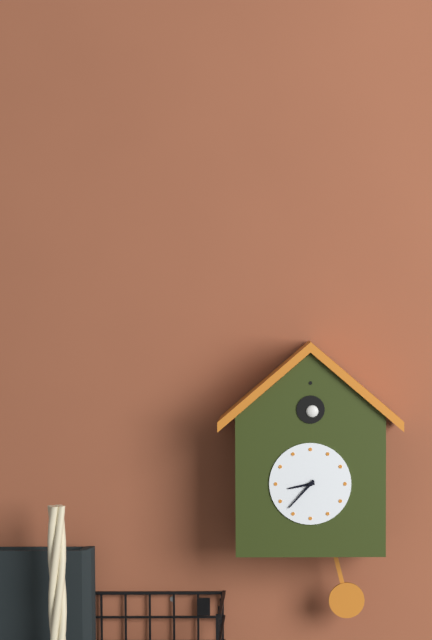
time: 8:37
